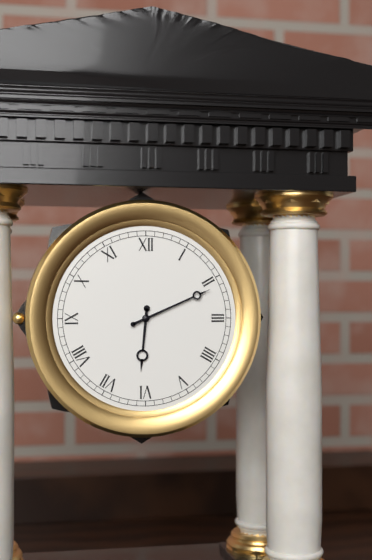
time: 6:11
